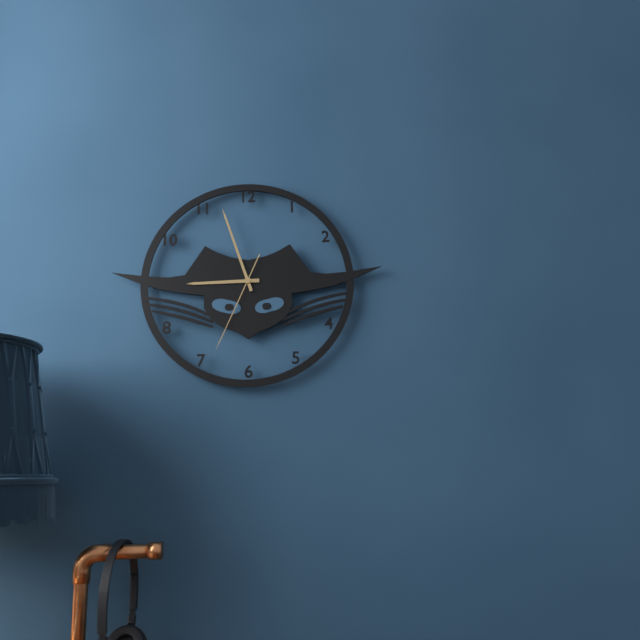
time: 8:57:34
